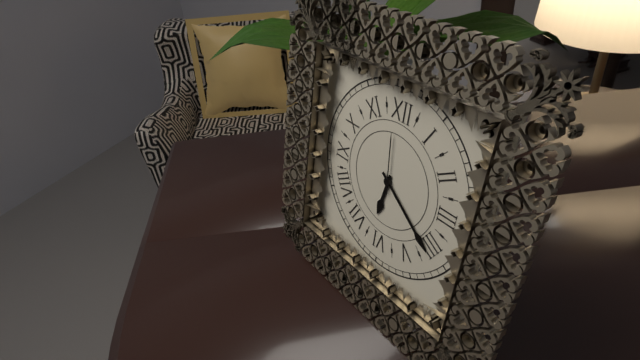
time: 6:21:59
